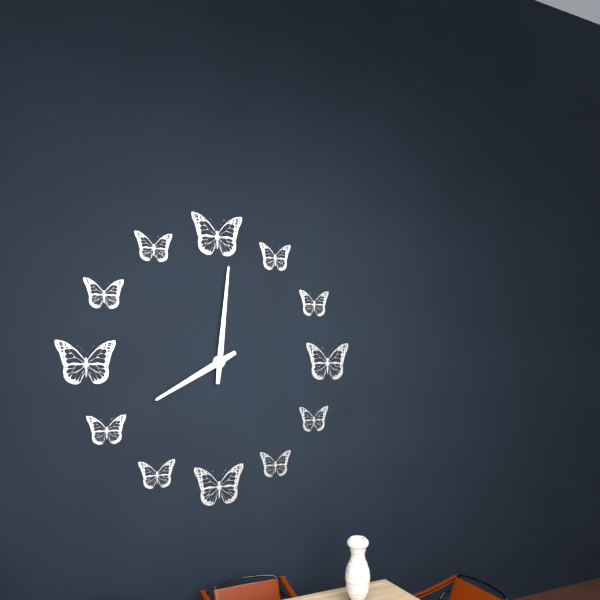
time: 8:01
